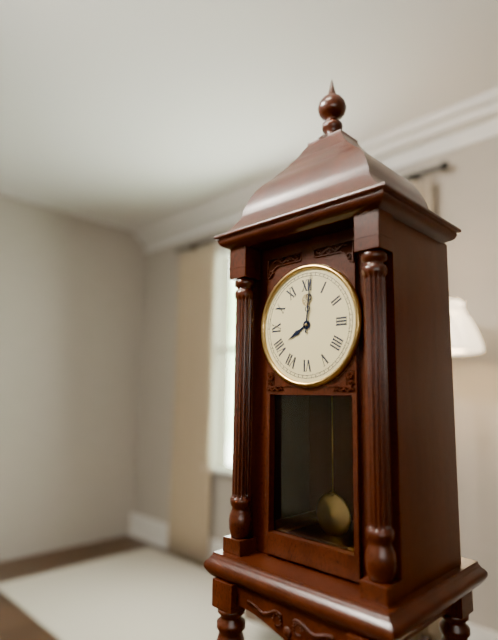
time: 8:01
